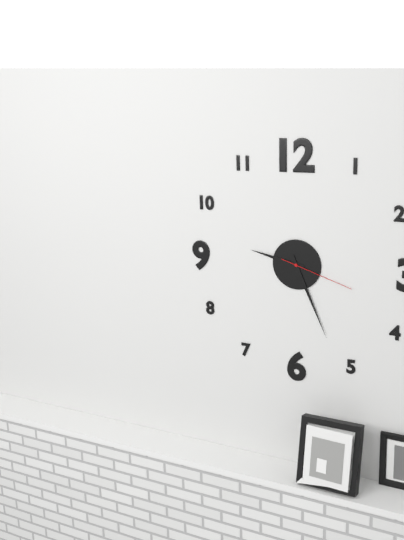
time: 9:26:18
